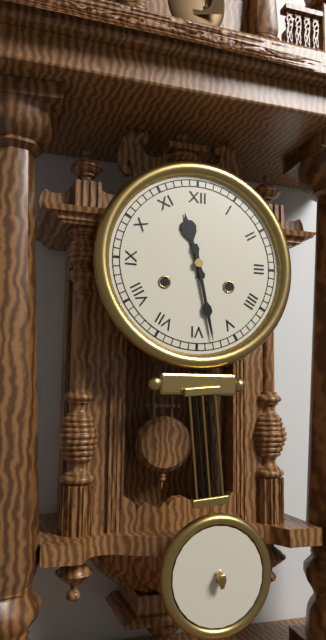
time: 11:28
